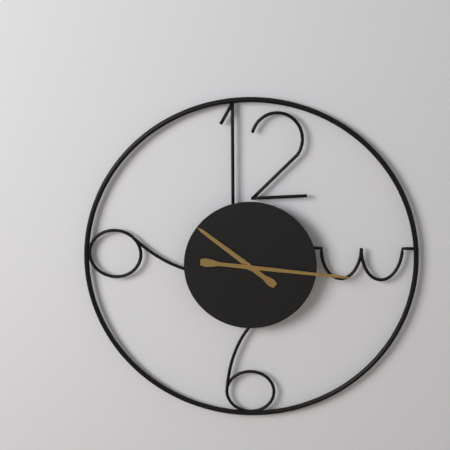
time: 10:16
